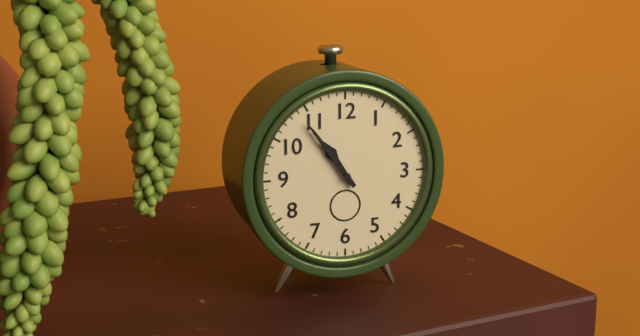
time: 10:54
